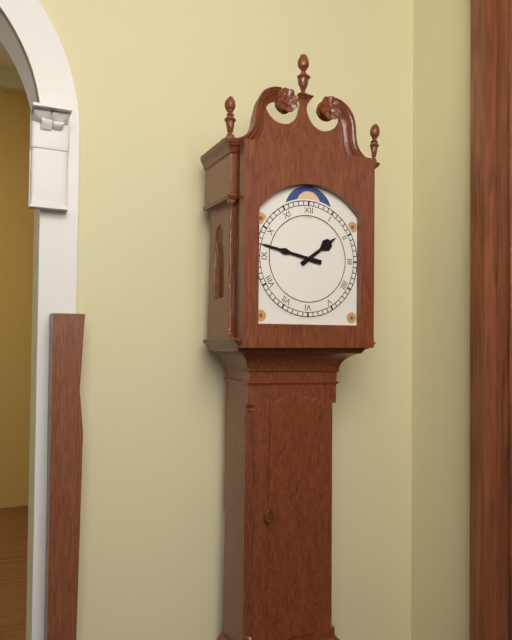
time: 1:47
